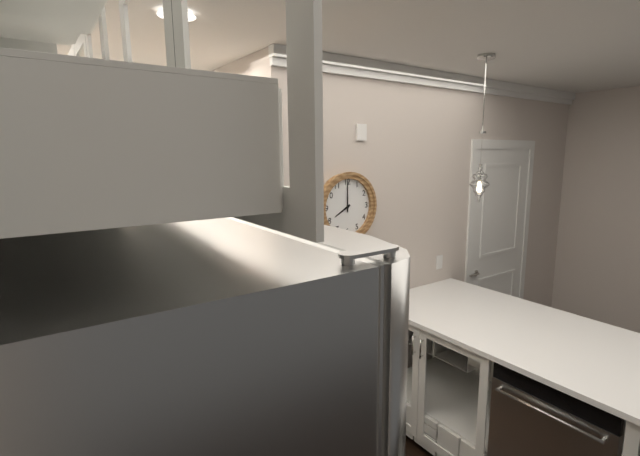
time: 8:00
